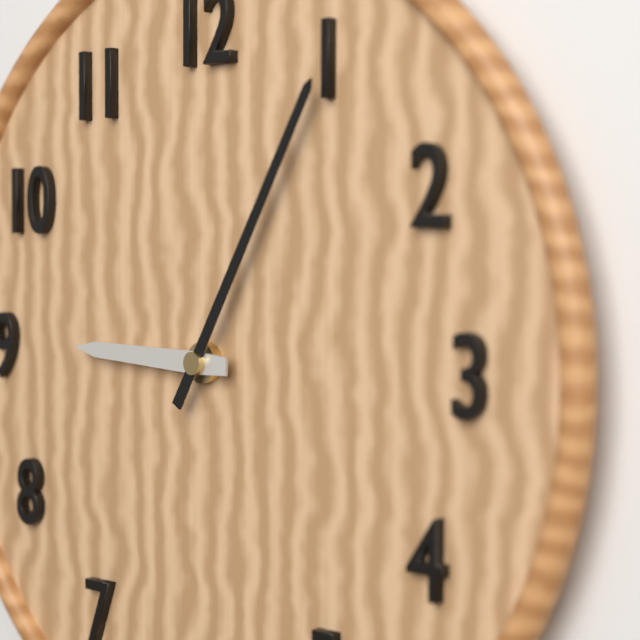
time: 9:05
